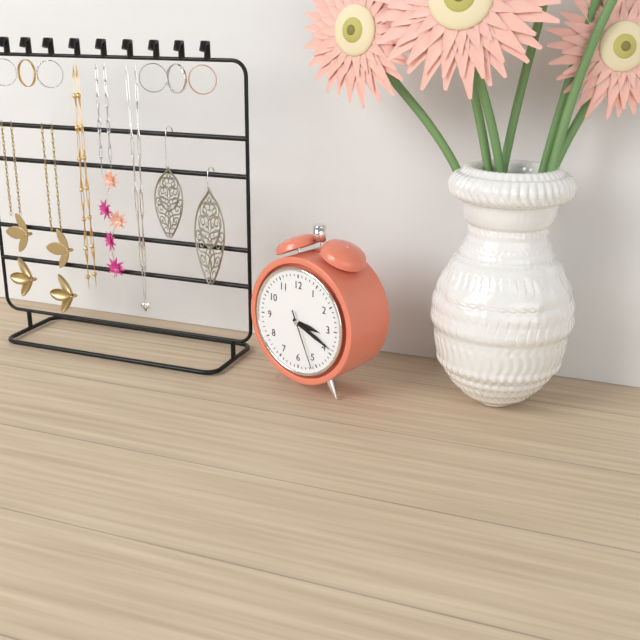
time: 3:19:26
